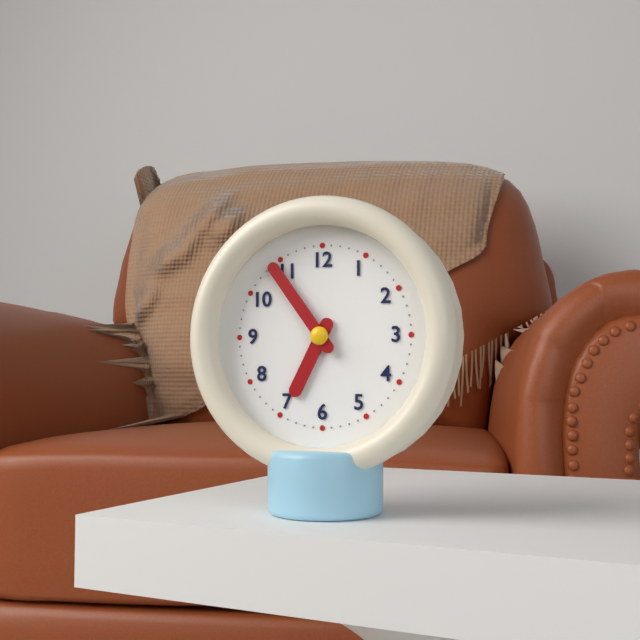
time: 6:54
